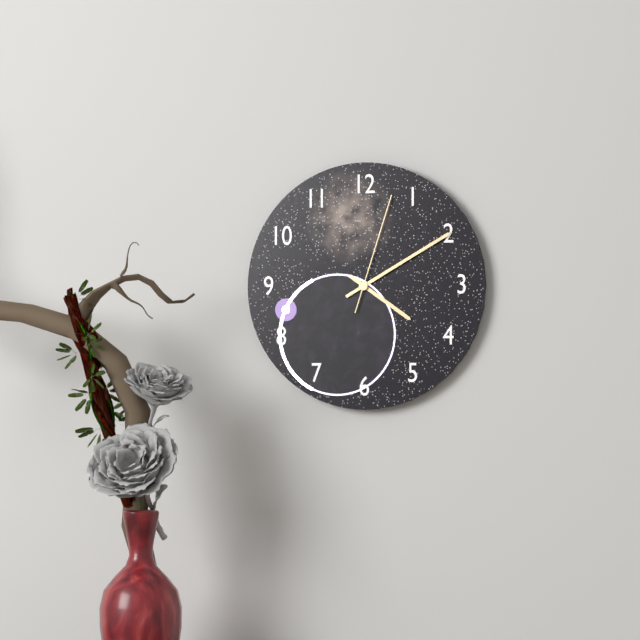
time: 4:10:03
